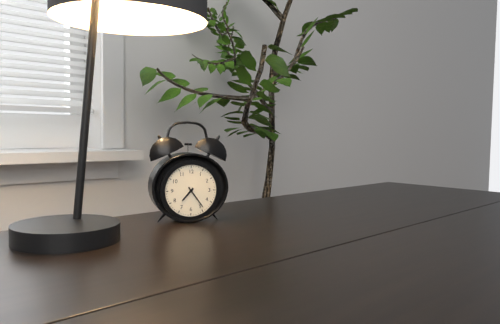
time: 7:24
